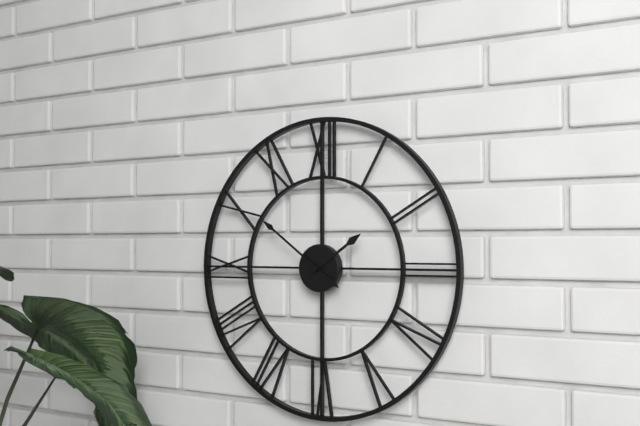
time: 1:51
